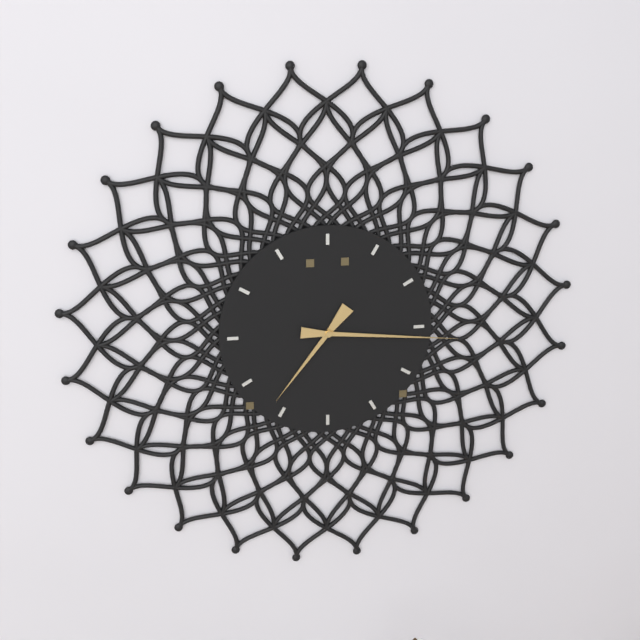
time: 7:16
